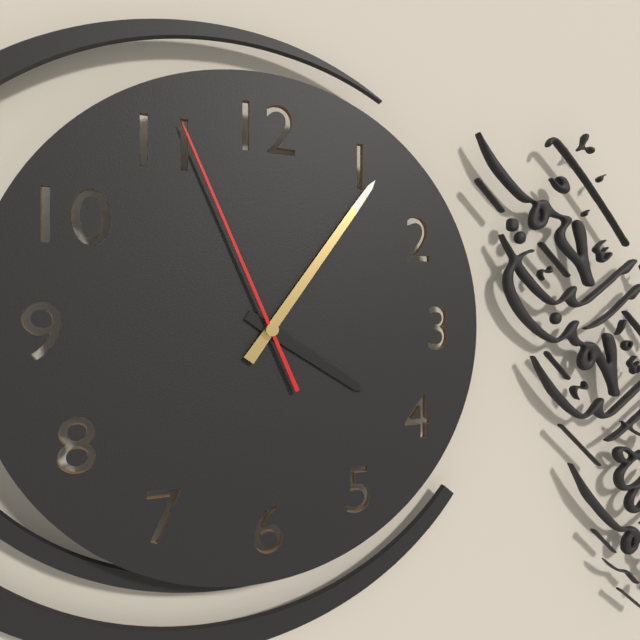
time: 4:06:56
